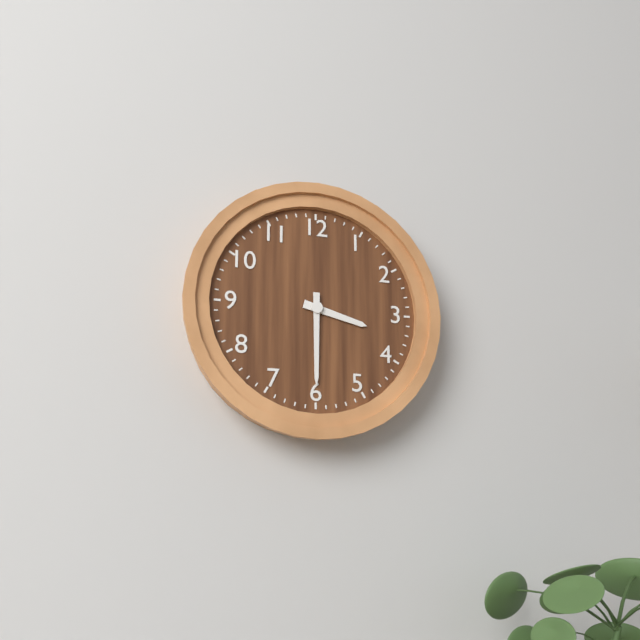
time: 3:30
